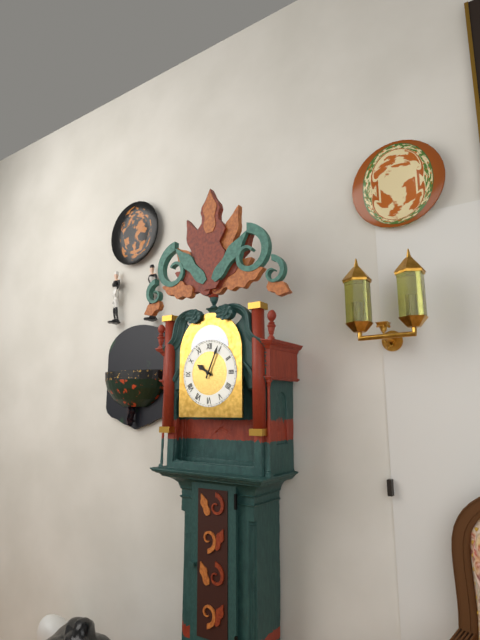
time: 10:04
